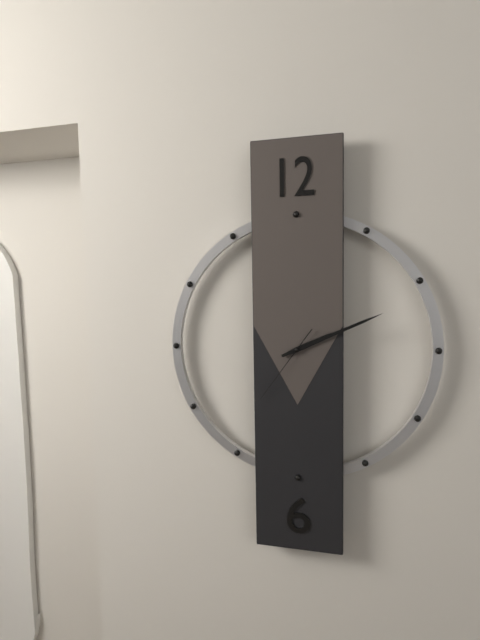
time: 2:11:36
